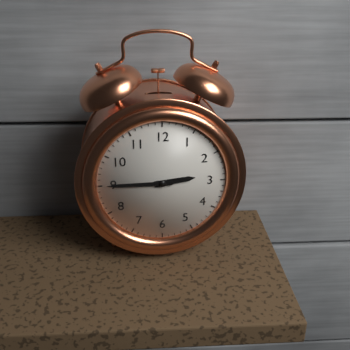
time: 2:45
